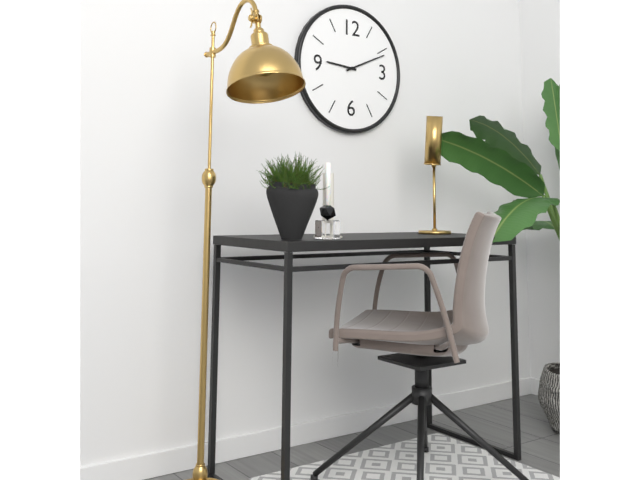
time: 9:11
